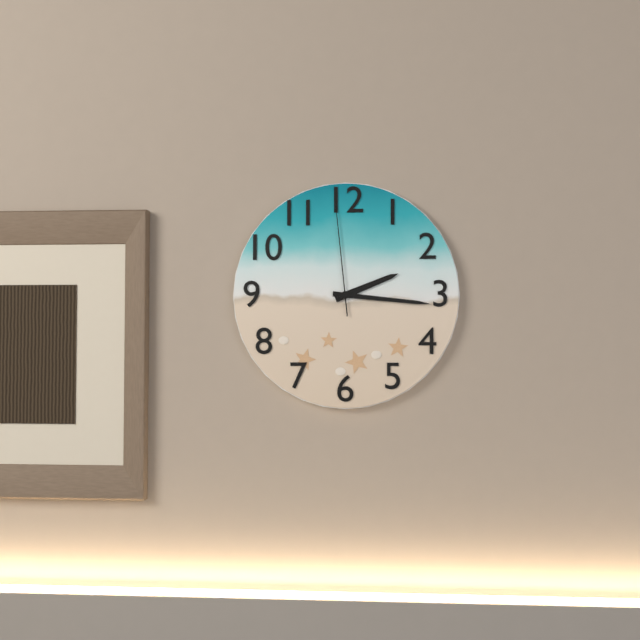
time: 2:16:59
